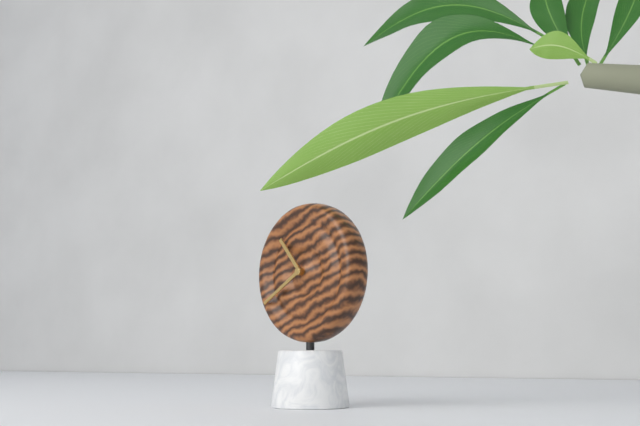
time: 10:40
